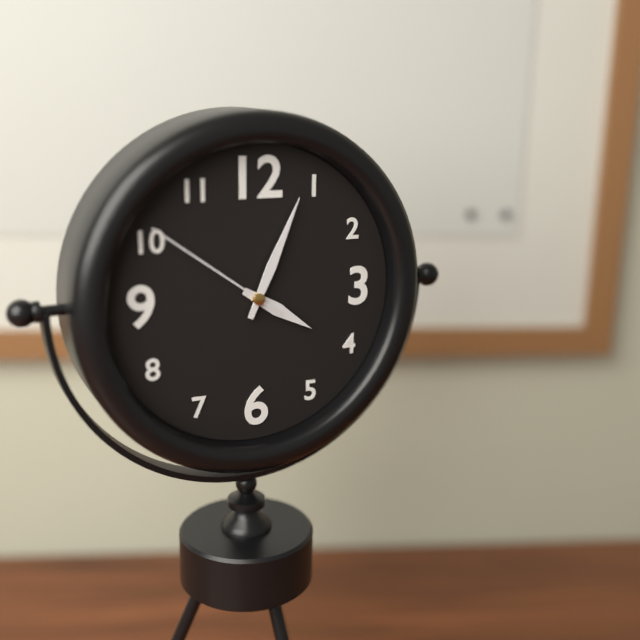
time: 4:04:51
